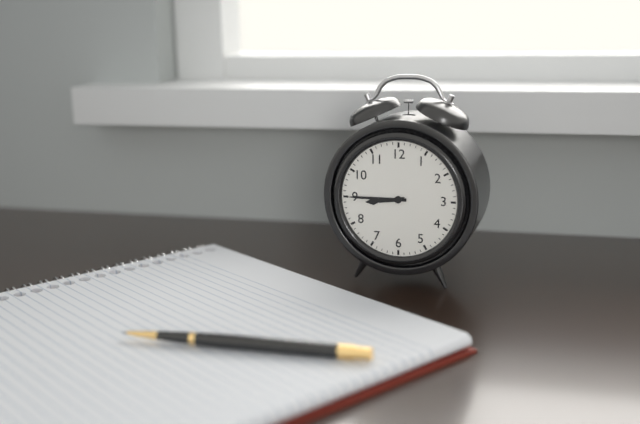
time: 8:45
